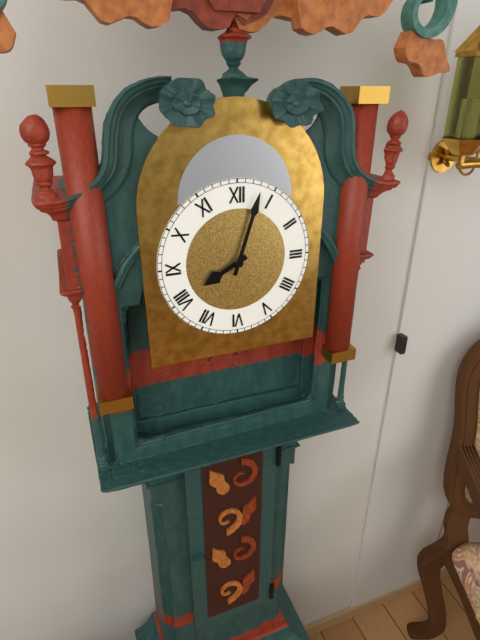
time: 8:03
